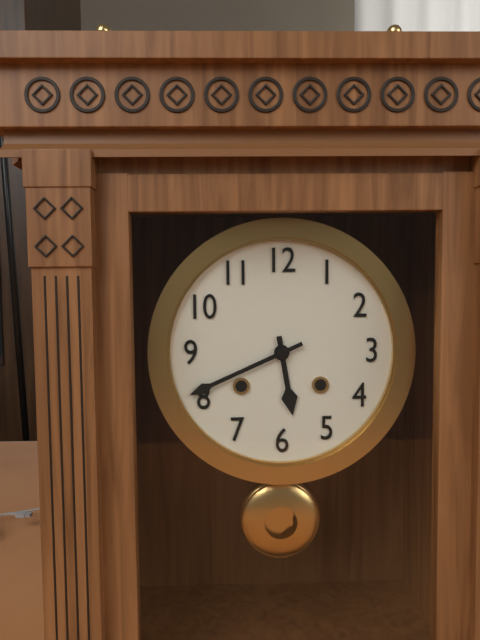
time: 5:41
